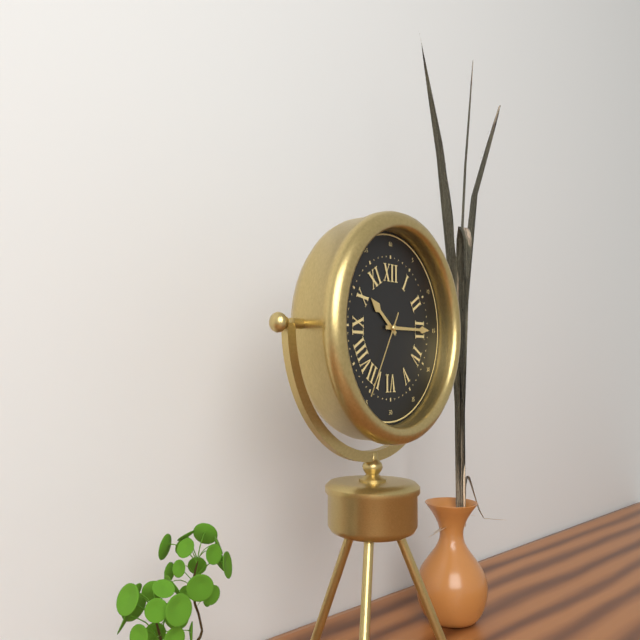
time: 10:15:35
